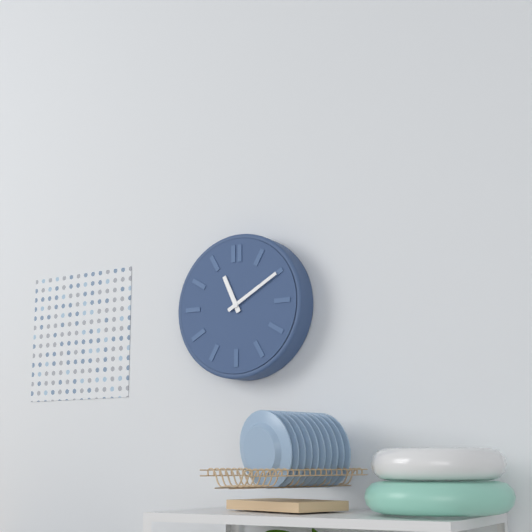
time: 11:10
